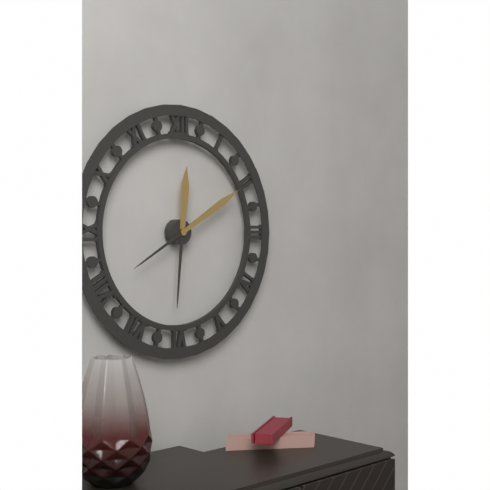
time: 12:10
